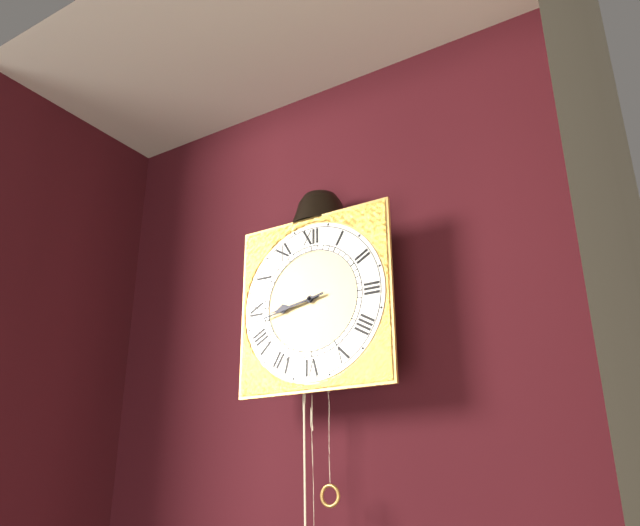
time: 8:43
